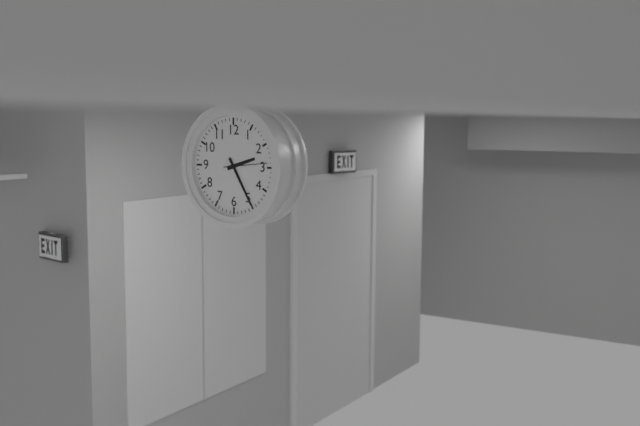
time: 2:25
